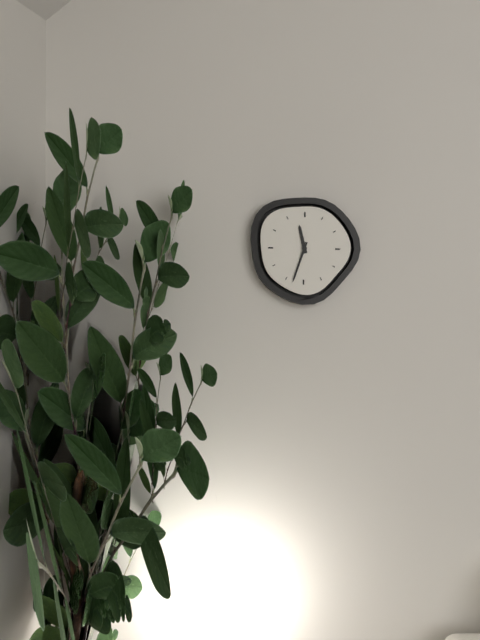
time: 11:33
